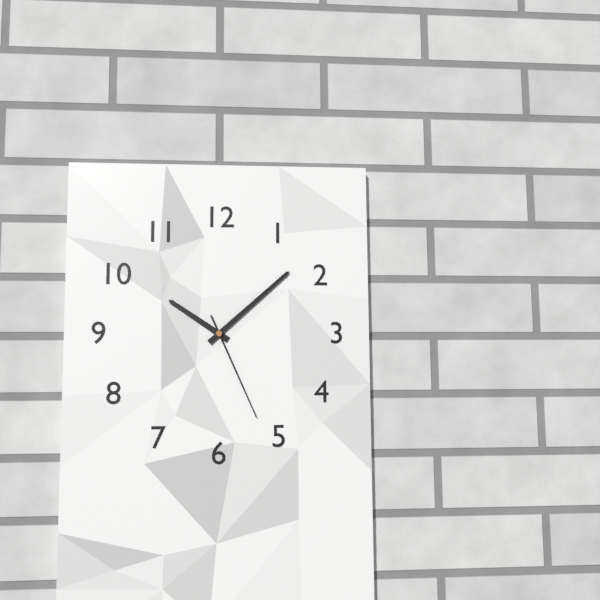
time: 10:08:26
